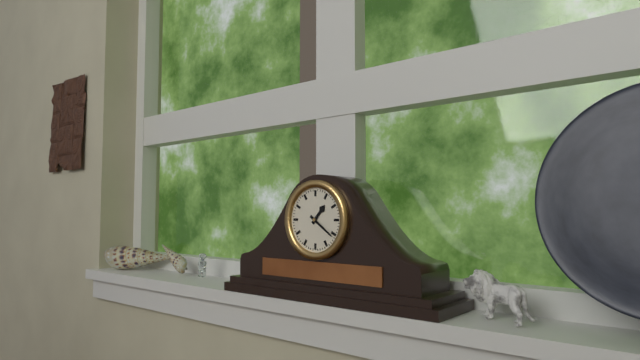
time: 1:21
